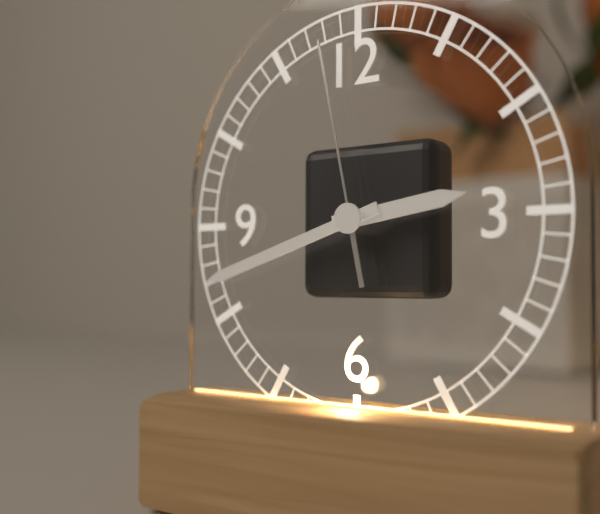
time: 2:42:58
